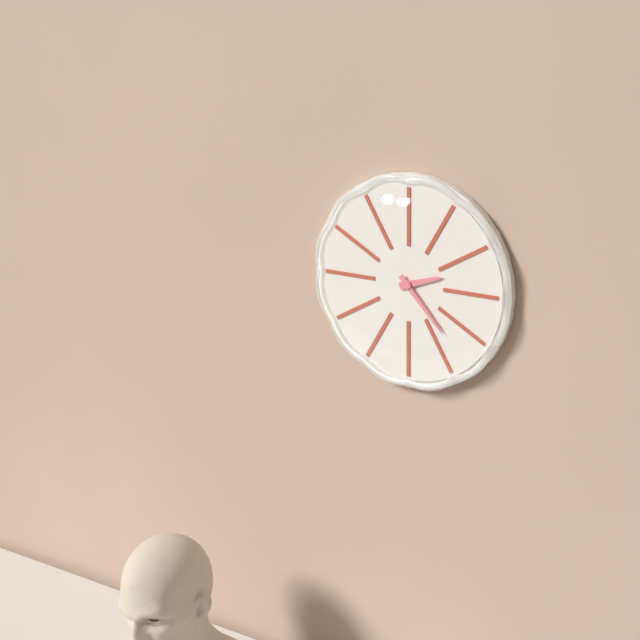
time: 2:23
